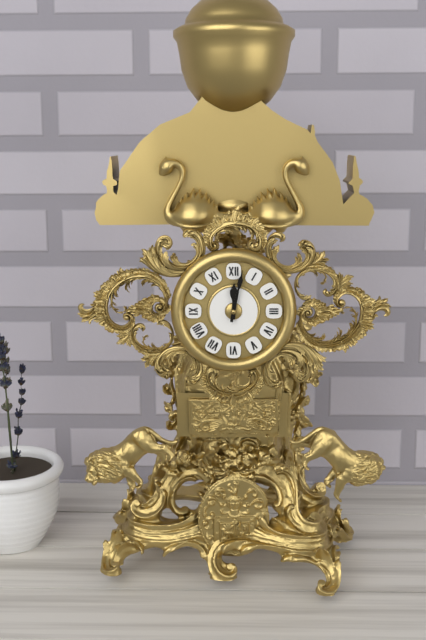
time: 12:02
